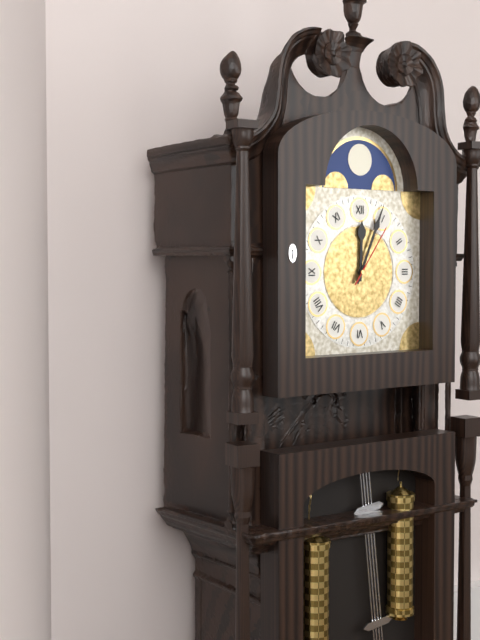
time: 12:04:06
